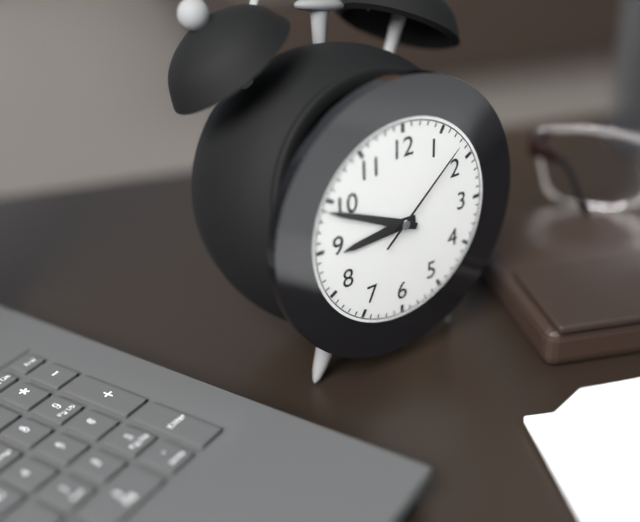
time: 8:49:08
